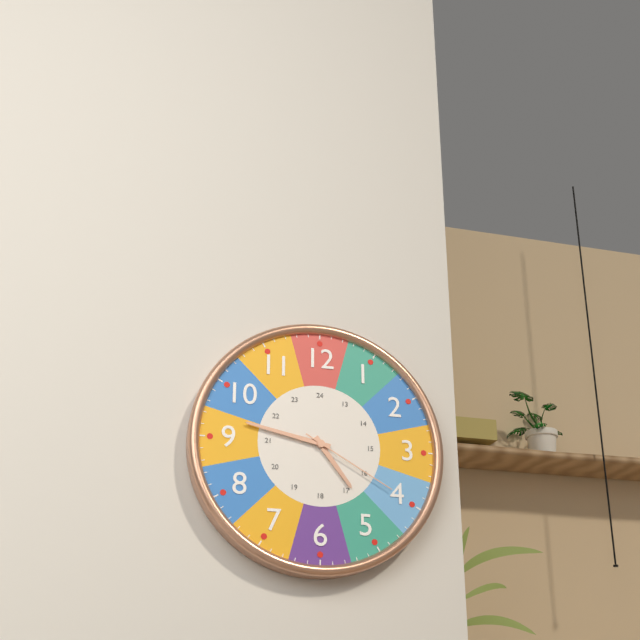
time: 4:47:20
